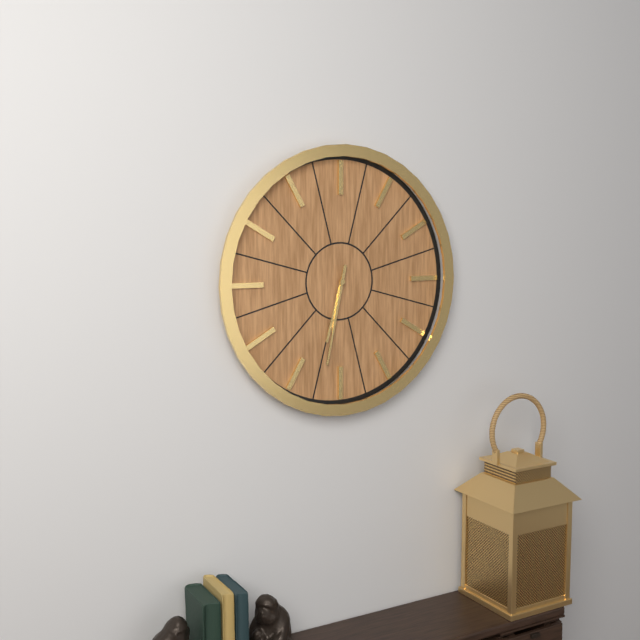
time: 6:32
